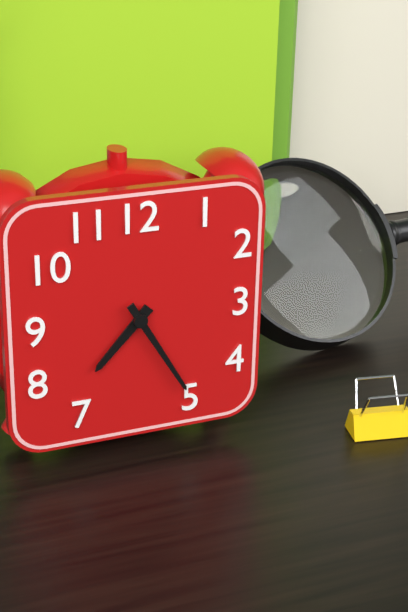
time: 7:25
